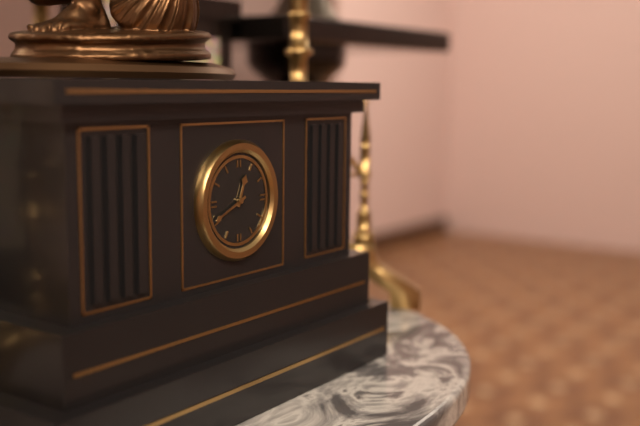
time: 12:41
